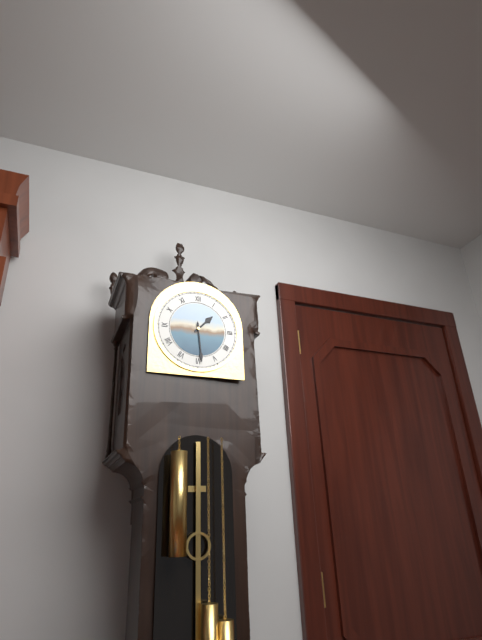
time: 1:29
